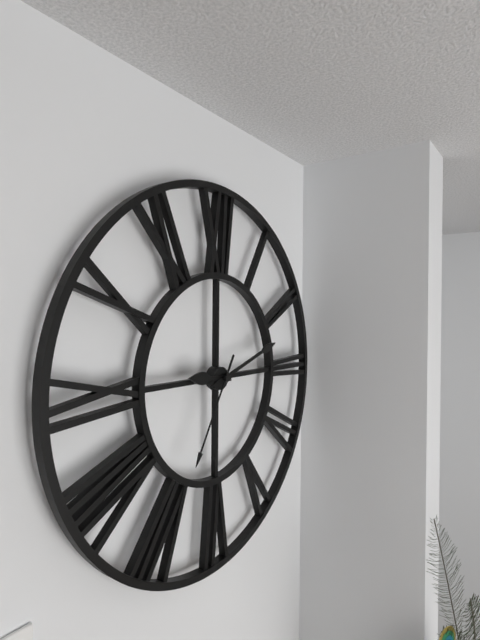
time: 9:12:35
